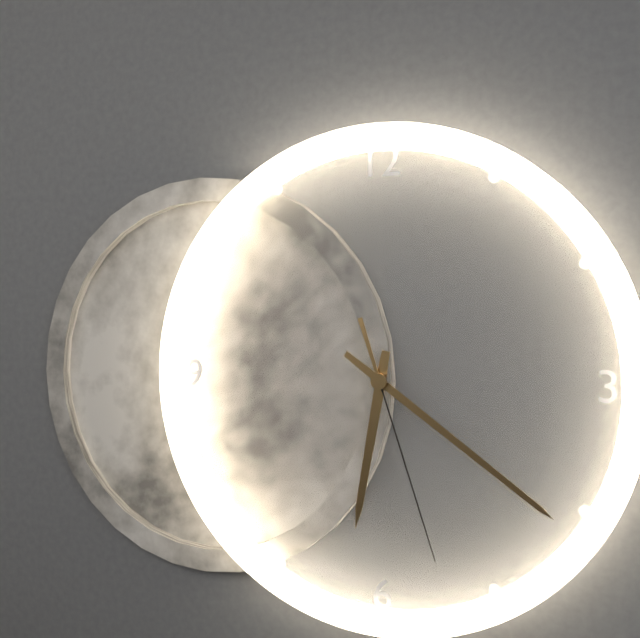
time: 6:21:27
